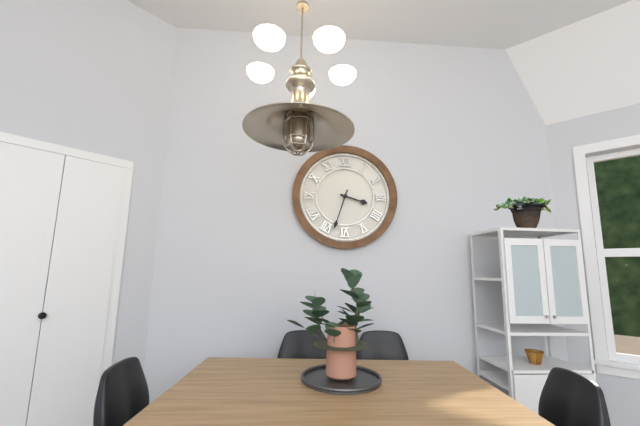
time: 3:33
